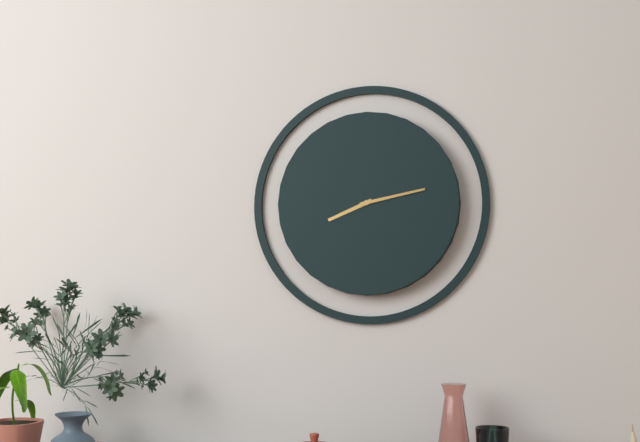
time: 8:13
